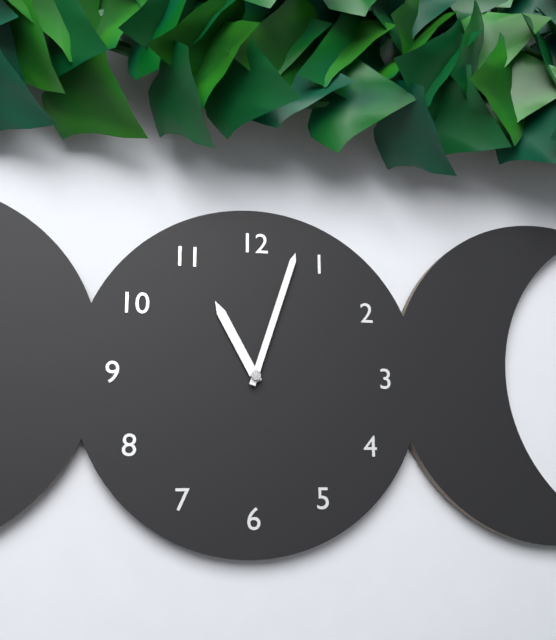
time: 11:03
